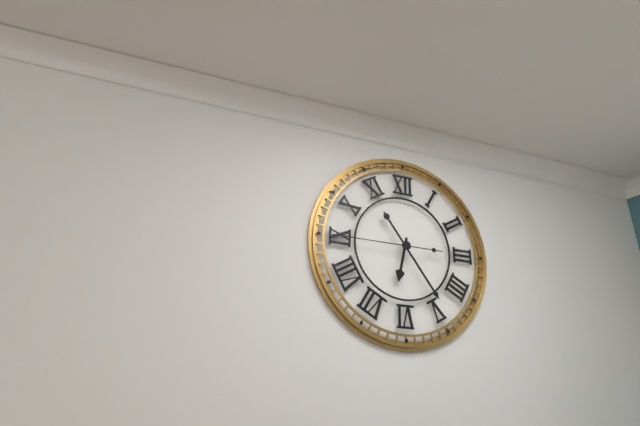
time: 6:24:45
